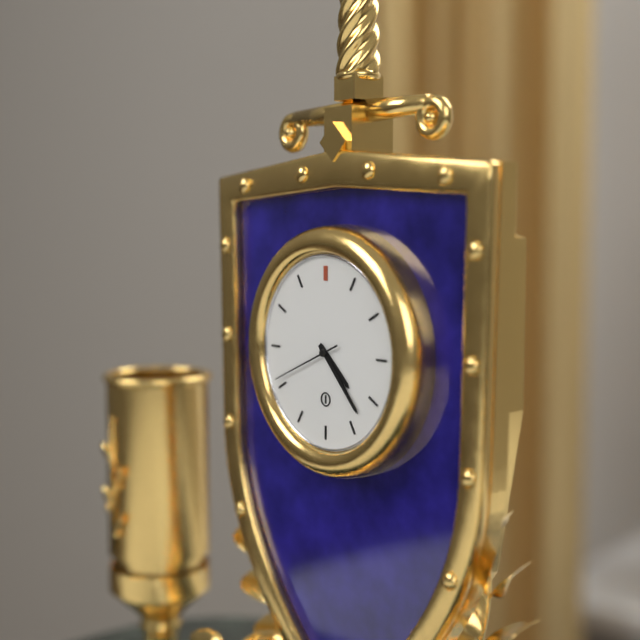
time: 4:23:41
